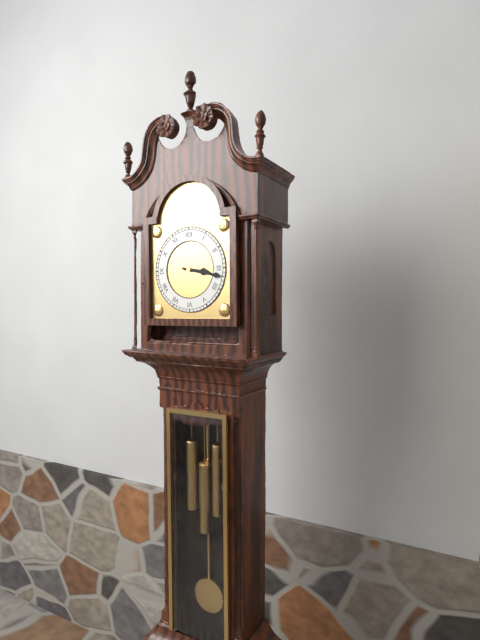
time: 3:17
